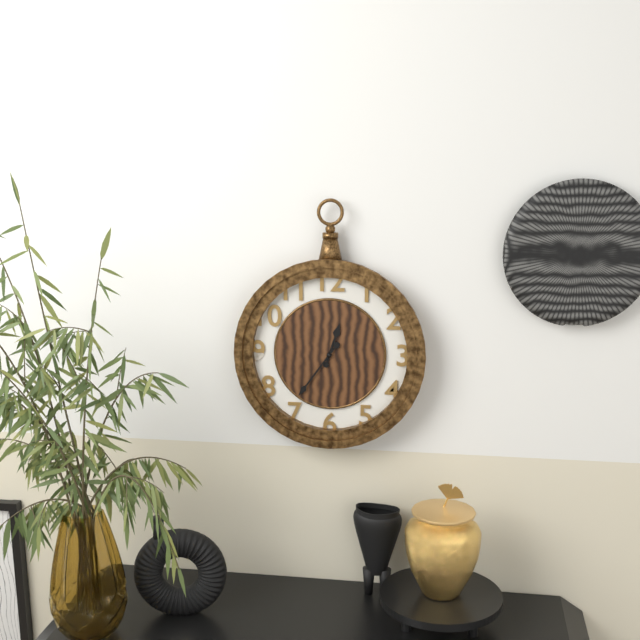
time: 12:36
